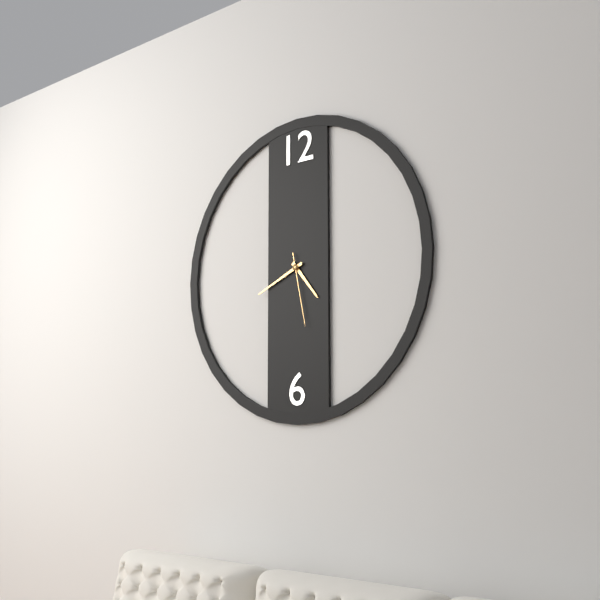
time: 4:41:28
